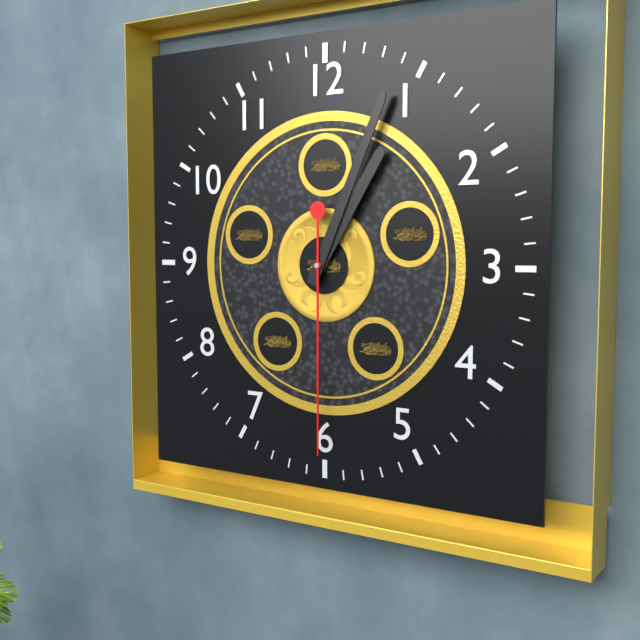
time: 1:04:30
